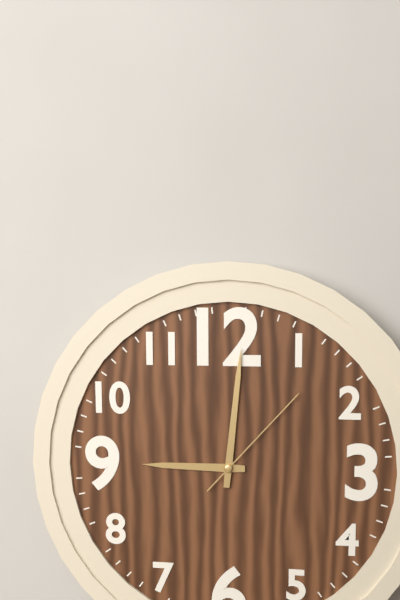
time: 9:01:07
